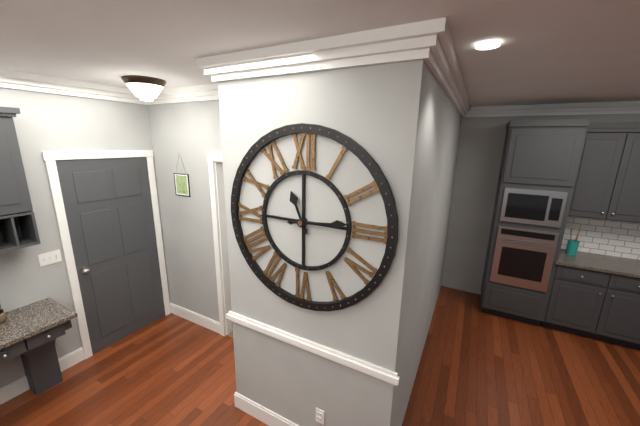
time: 11:14
